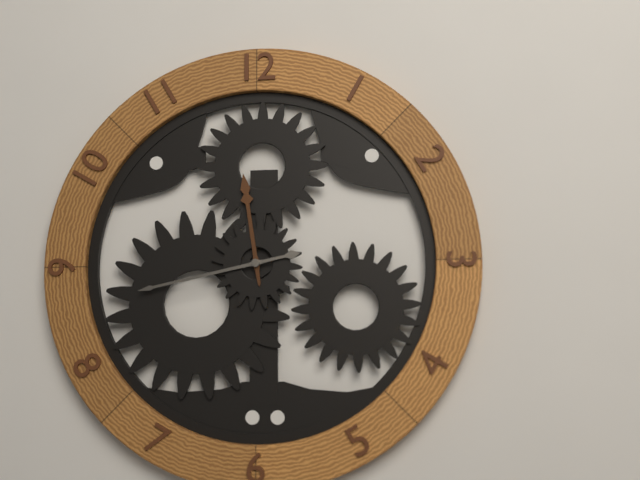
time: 11:43
